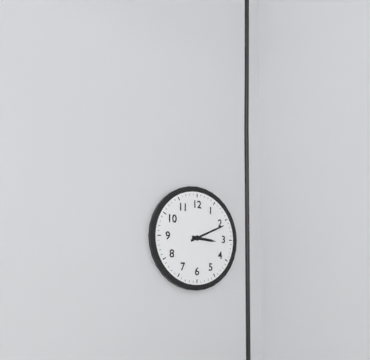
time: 3:11
